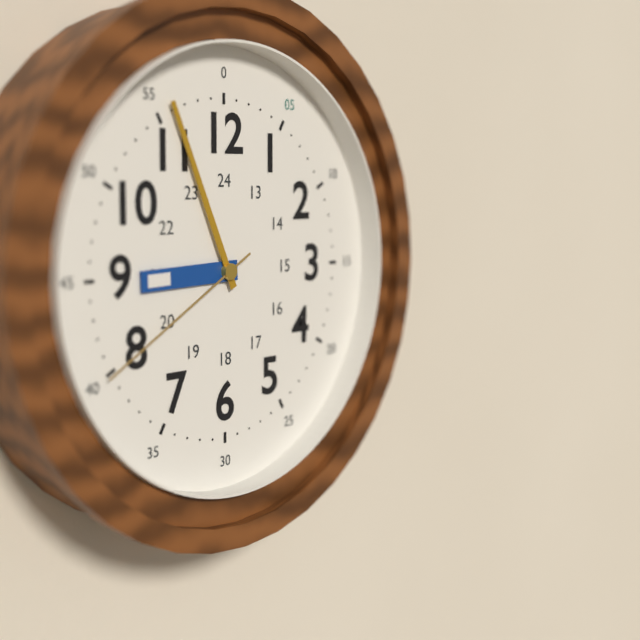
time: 8:56:40
